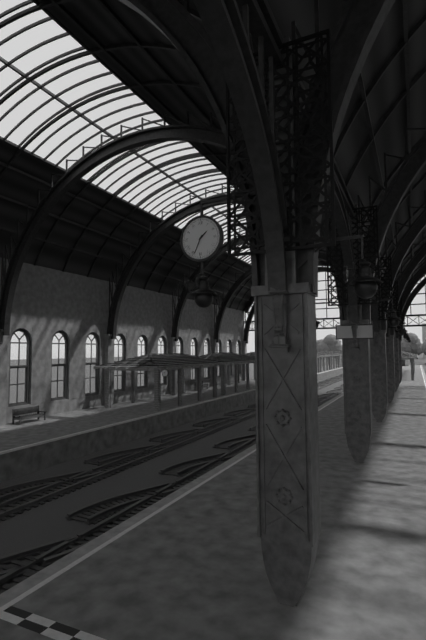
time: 1:34
